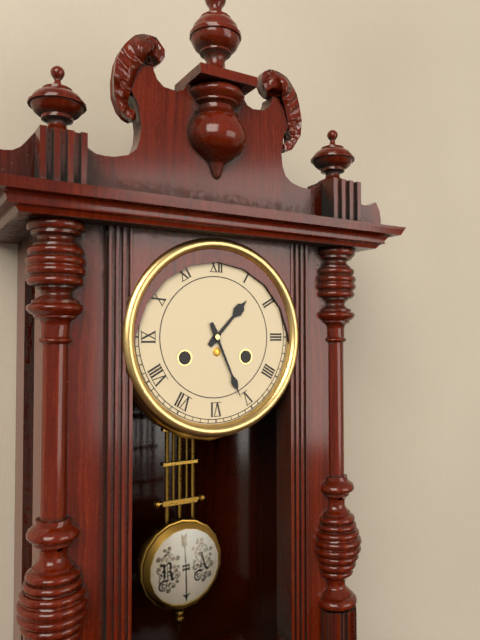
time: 1:26
